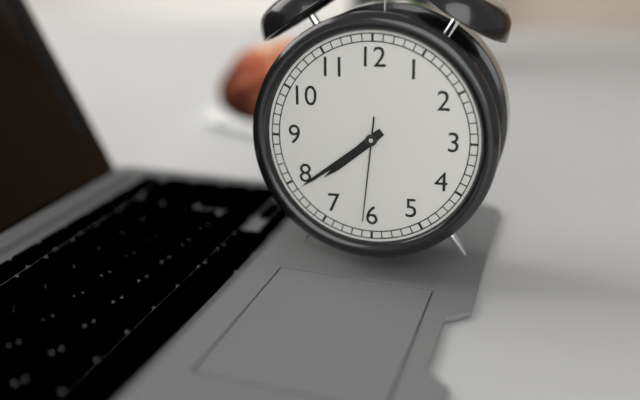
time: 7:39:31
